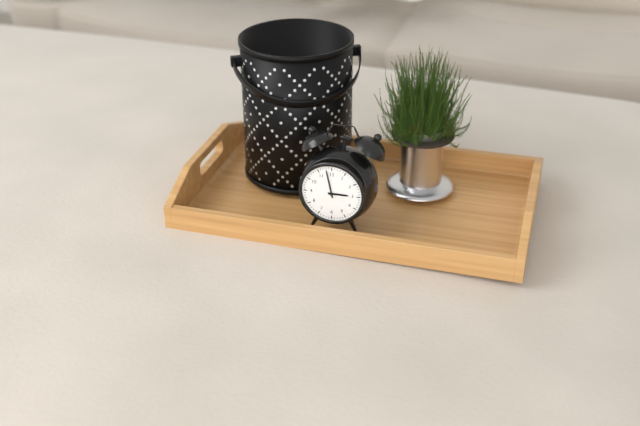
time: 2:58
